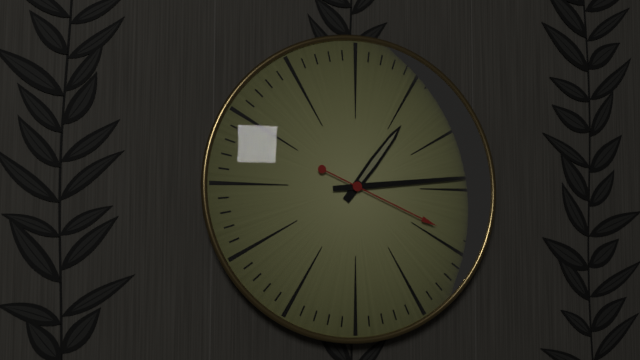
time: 1:14:19
